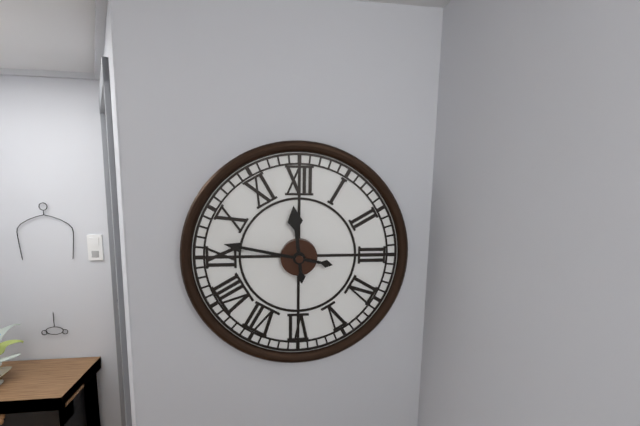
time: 11:47
